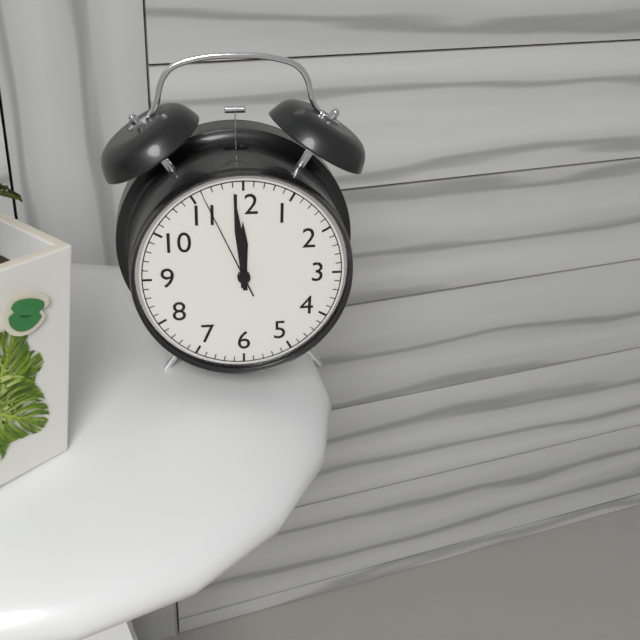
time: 11:59:56
